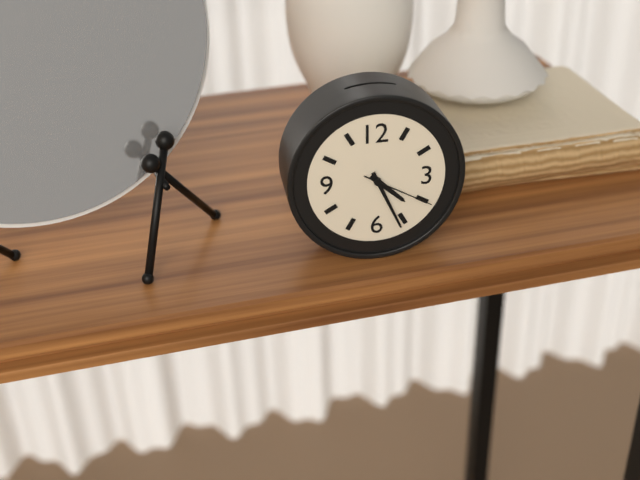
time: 4:26:20
